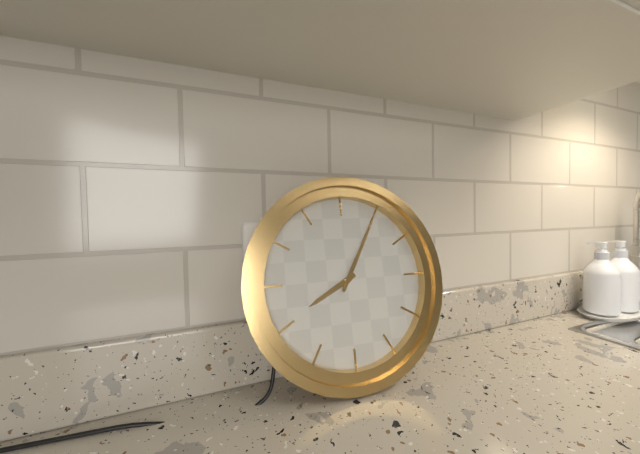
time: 8:05
